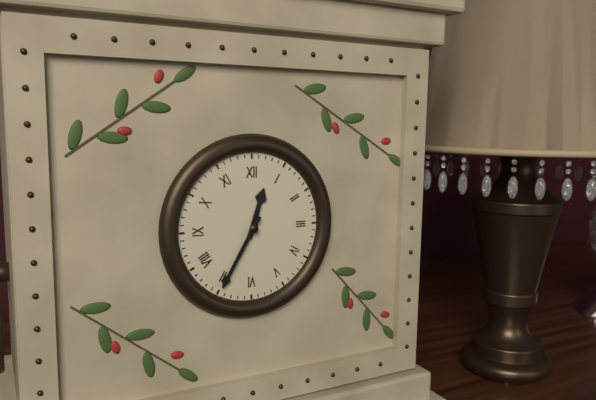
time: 12:35
